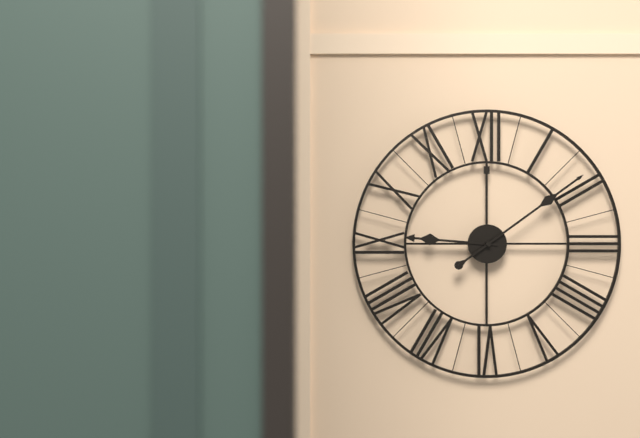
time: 9:09
